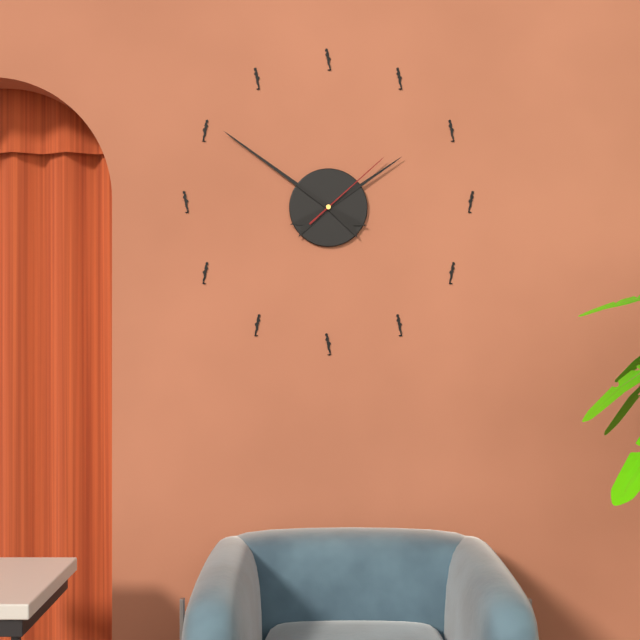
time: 1:51:08
